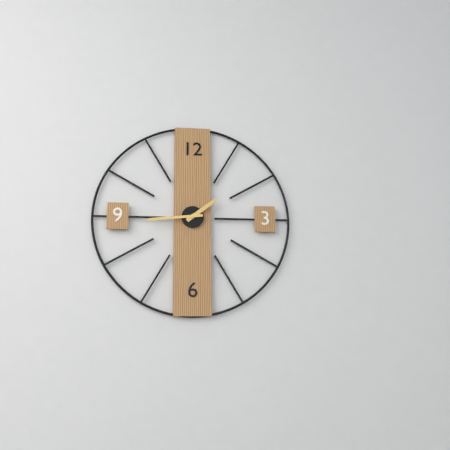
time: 1:44
